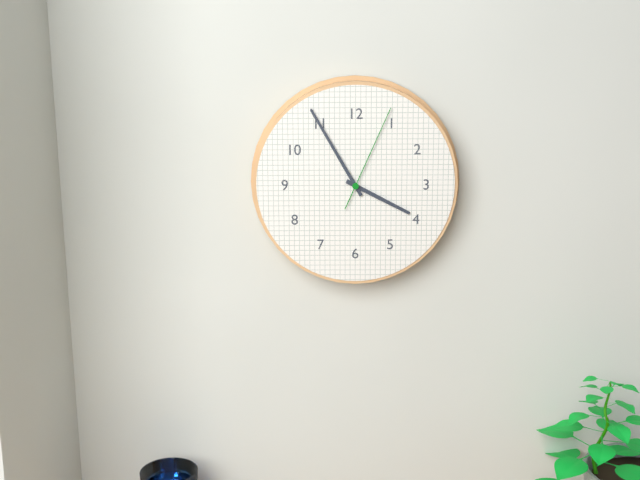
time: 3:55:04
